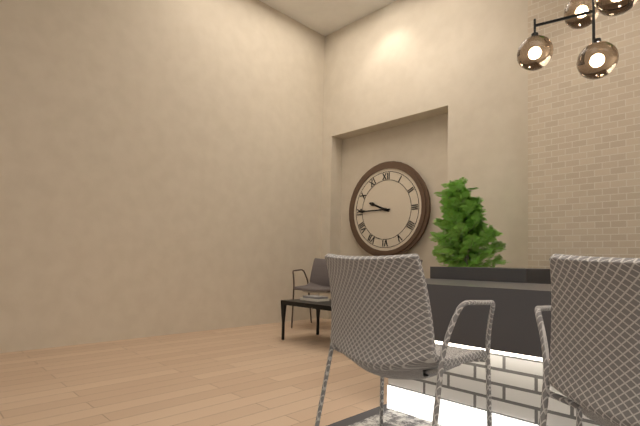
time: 9:45
